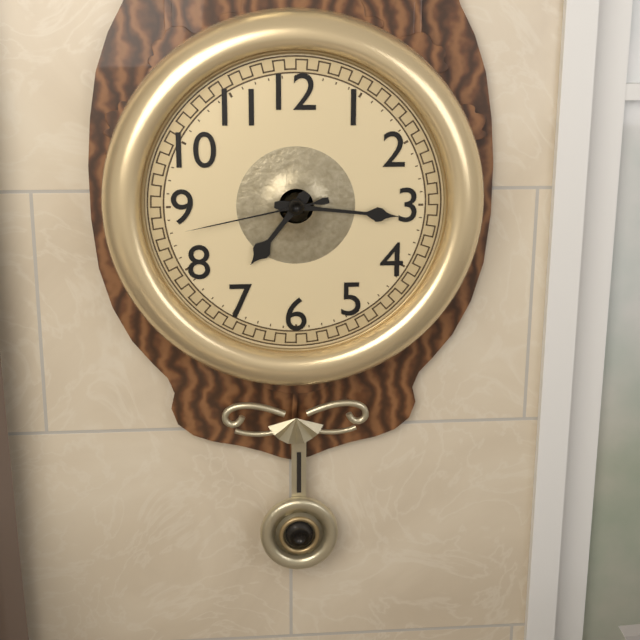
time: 7:16:43
